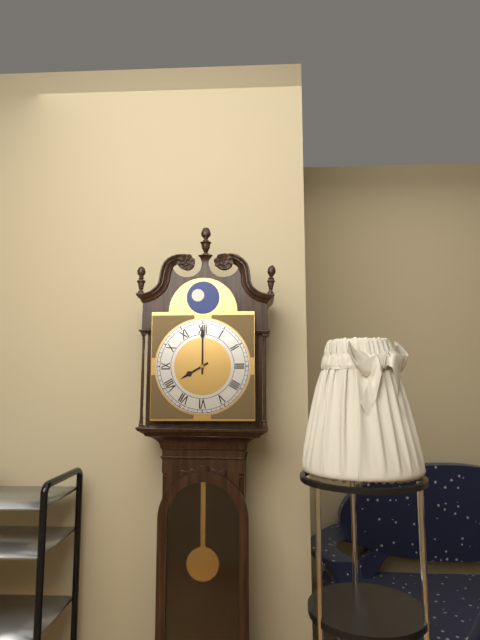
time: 8:00
